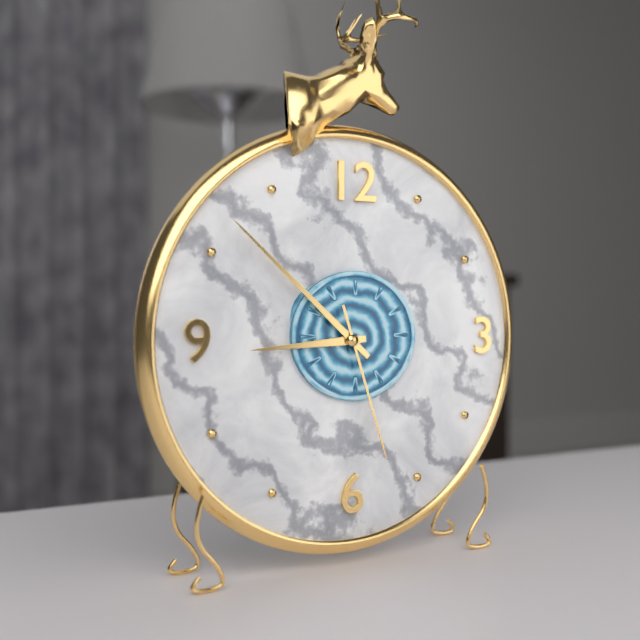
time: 8:52:27
